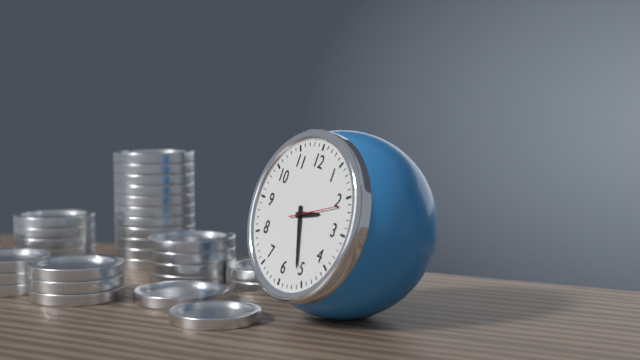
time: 2:26
